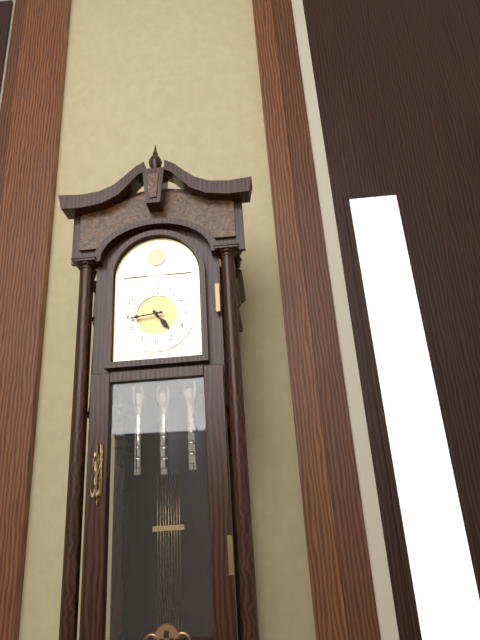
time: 4:44
